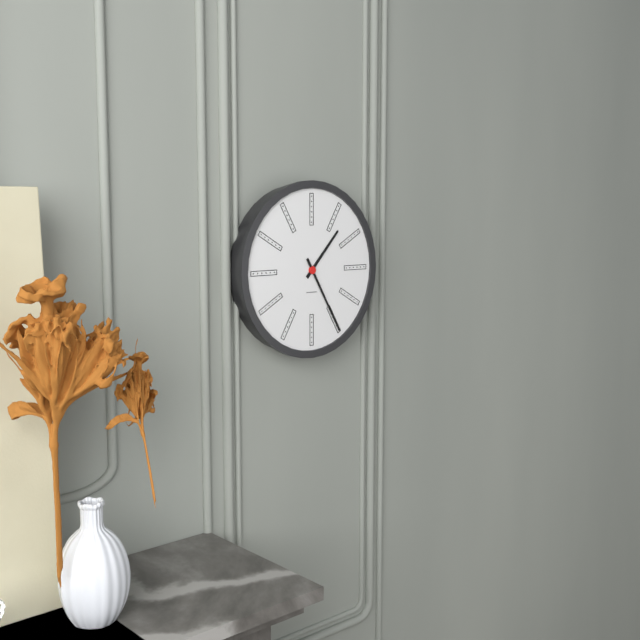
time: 1:25
